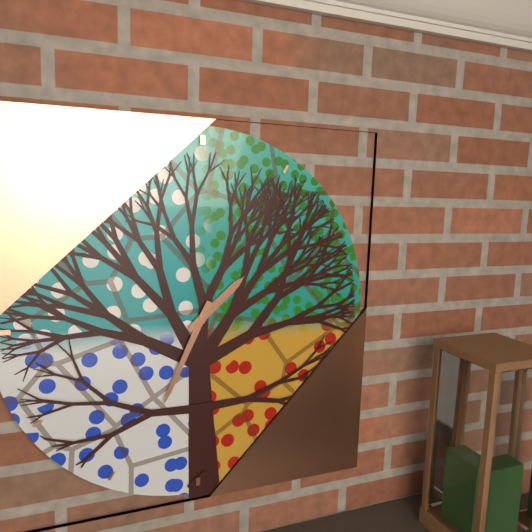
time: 1:34
